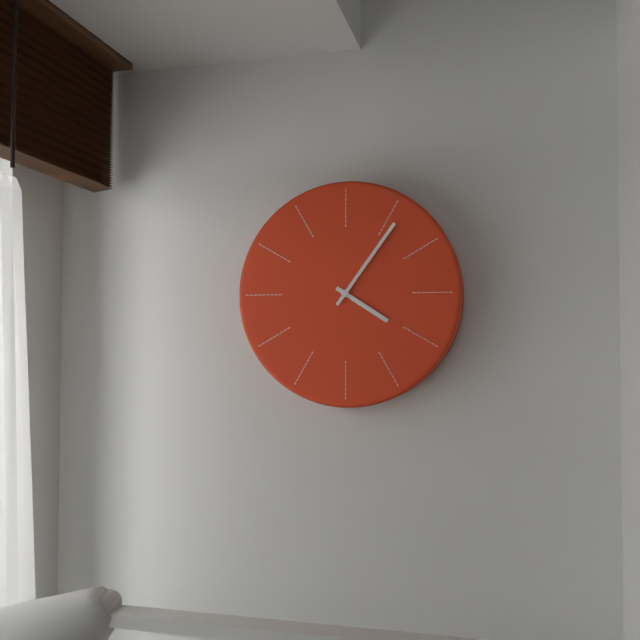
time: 4:06
